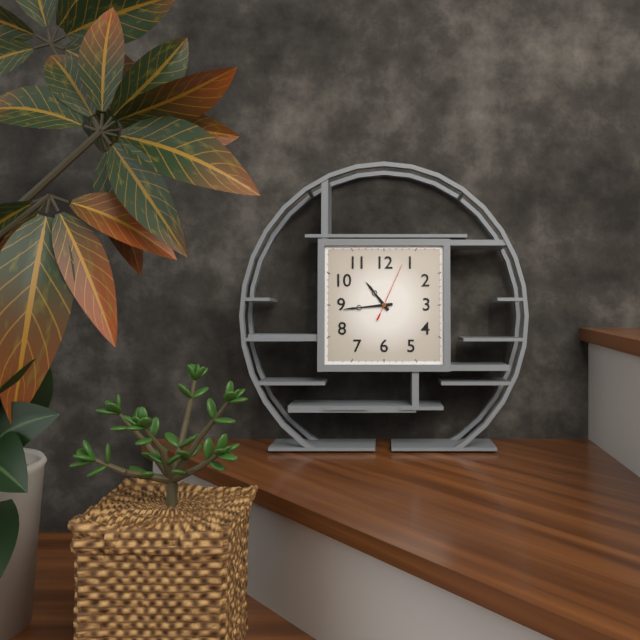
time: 10:44:04
